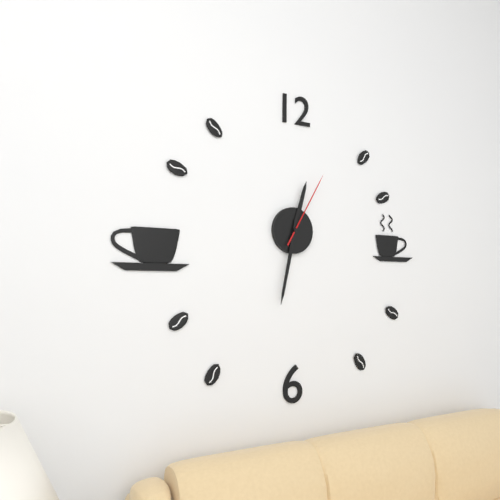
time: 12:32:05
